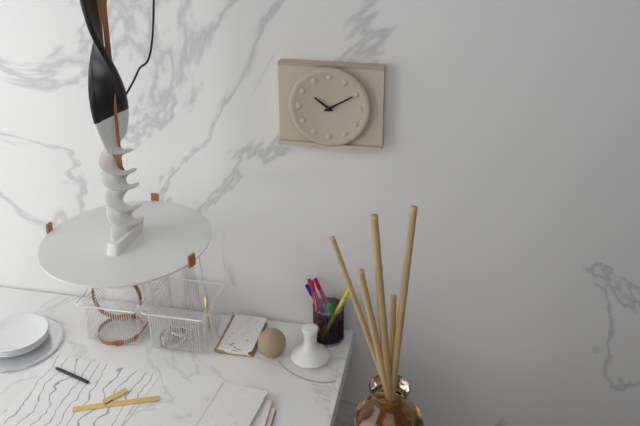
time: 10:10
